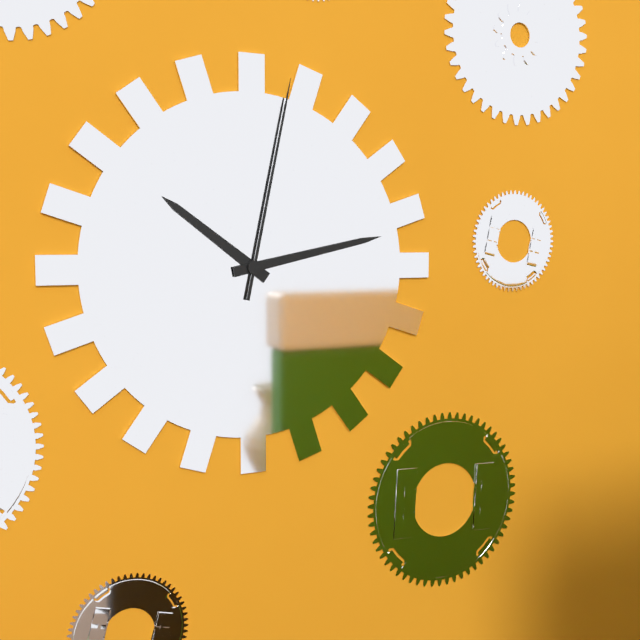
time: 10:13:02
